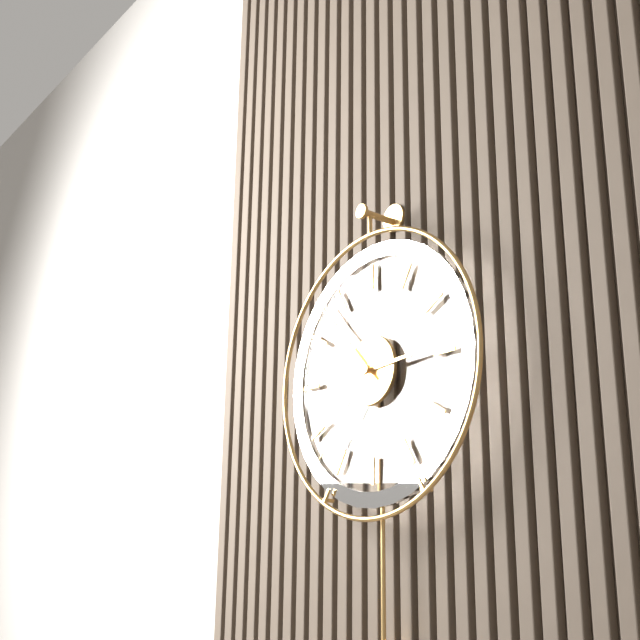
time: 2:53:37
